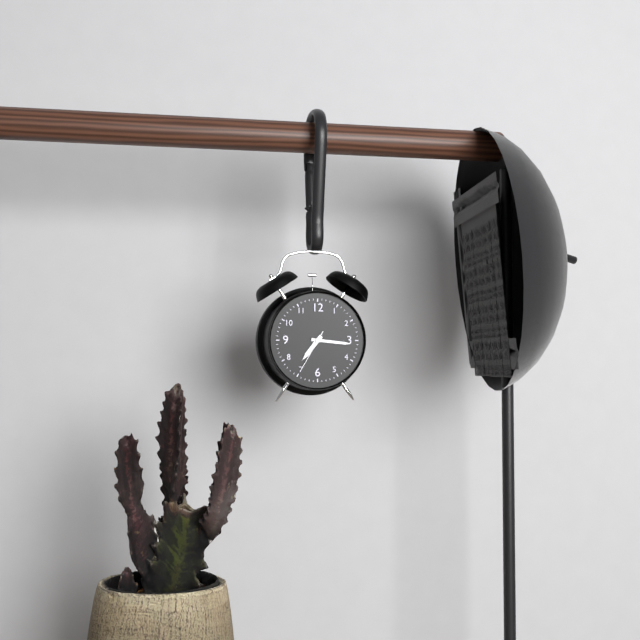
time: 7:16
